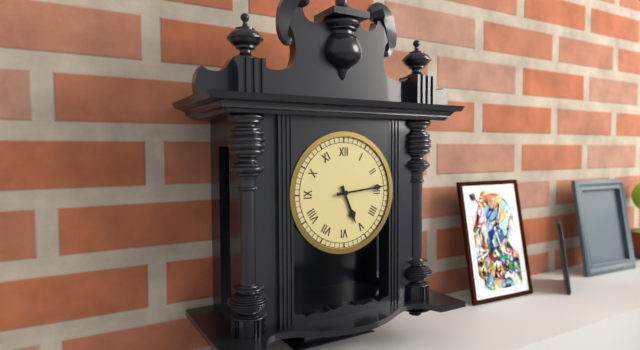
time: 5:14
